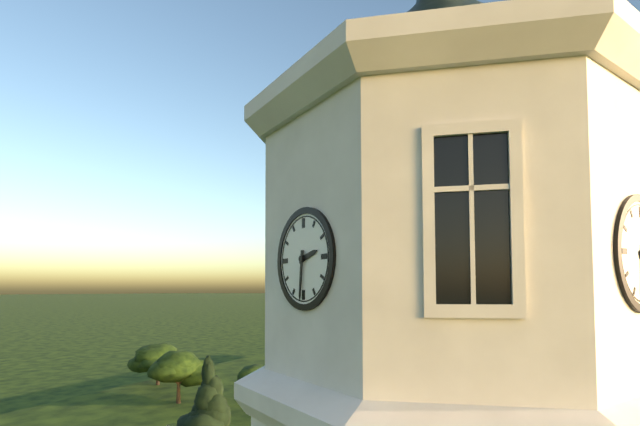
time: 2:31
